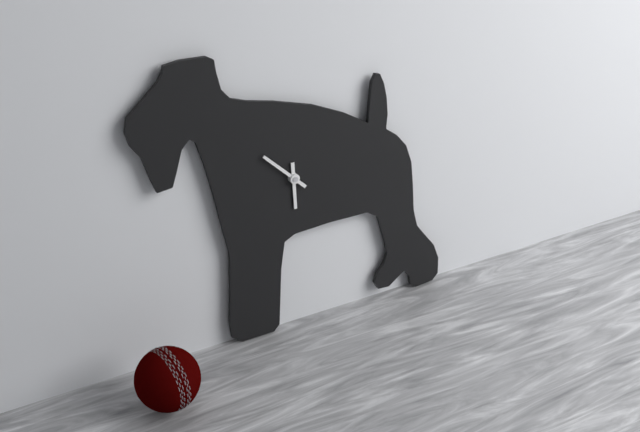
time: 5:52
